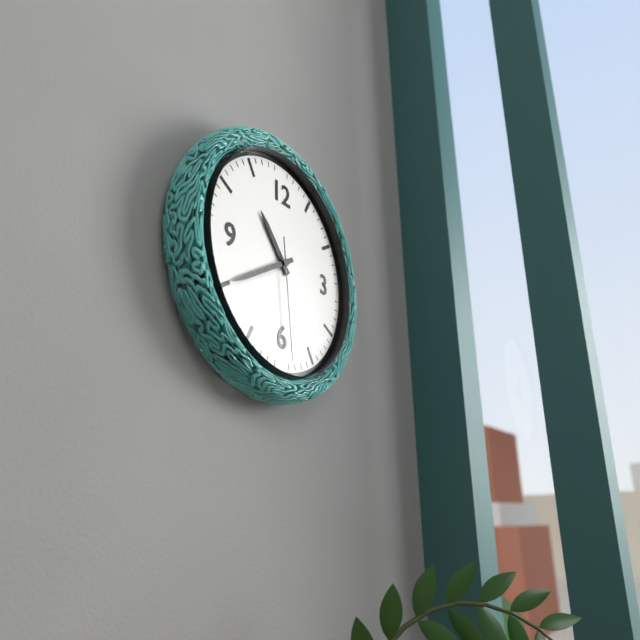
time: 10:40:29
